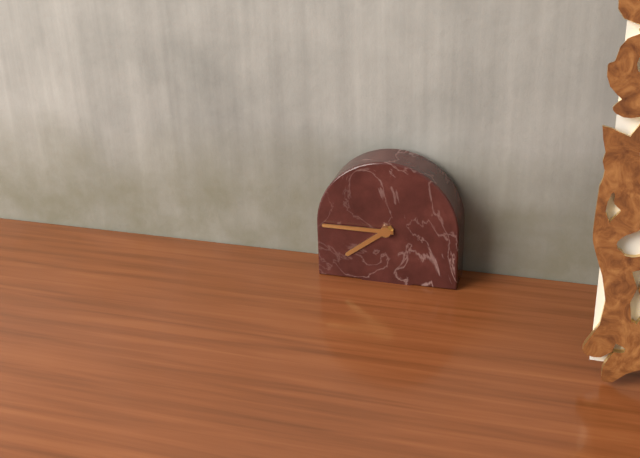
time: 7:45
